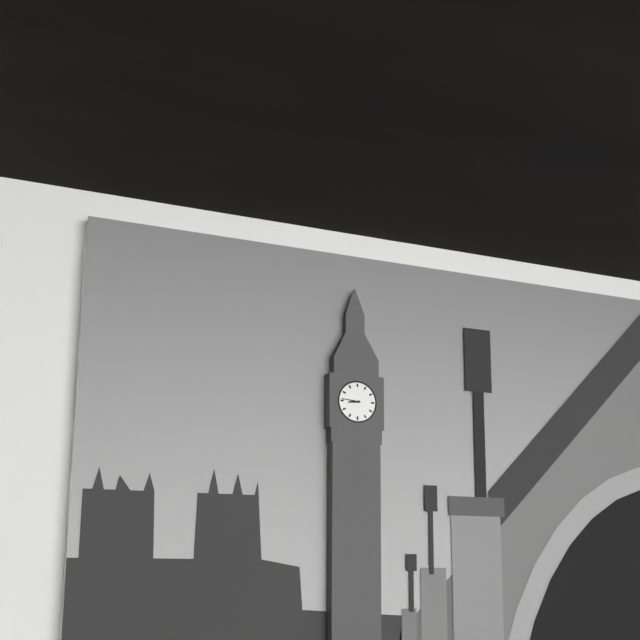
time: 8:46
